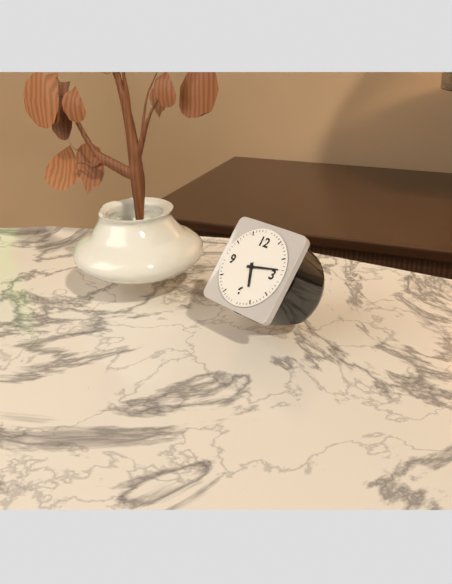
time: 5:13
